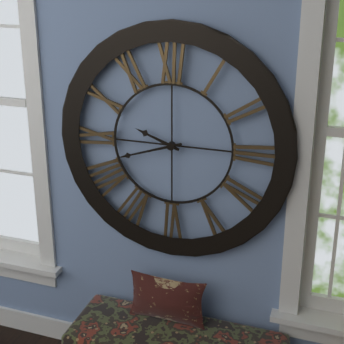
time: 9:42
